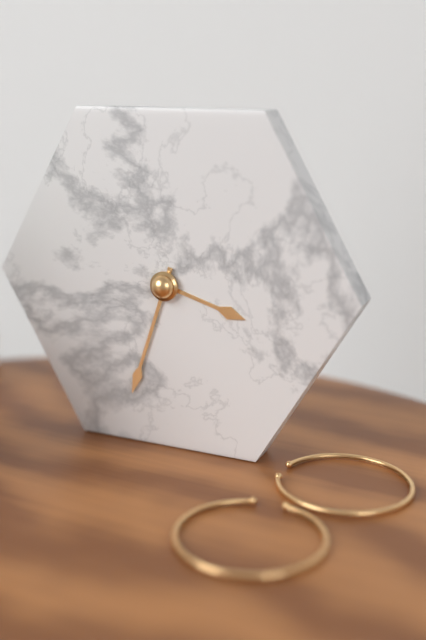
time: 3:33
